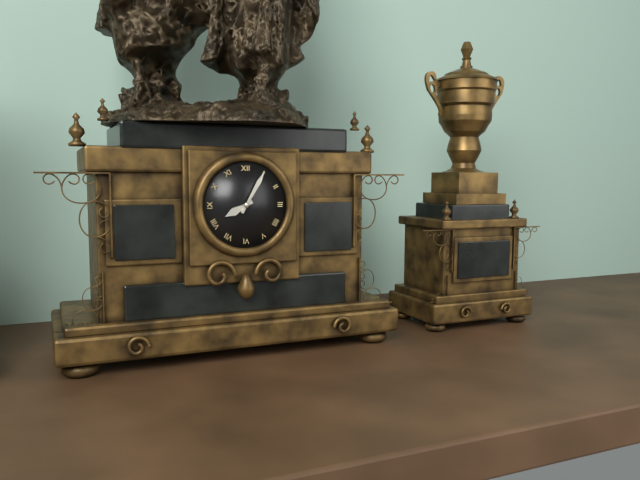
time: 8:05
